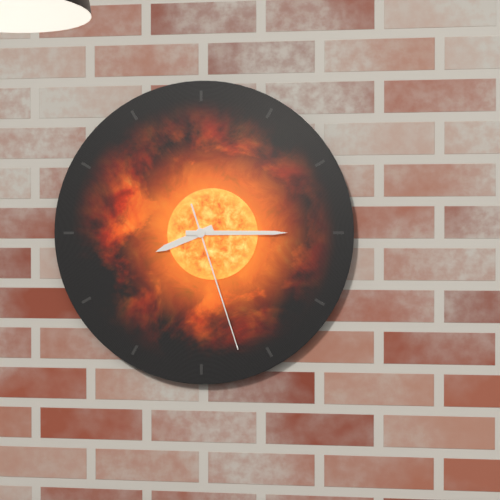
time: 8:15:27
